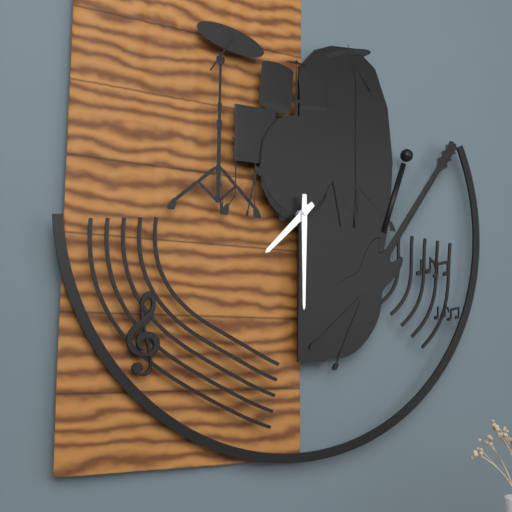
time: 7:30
